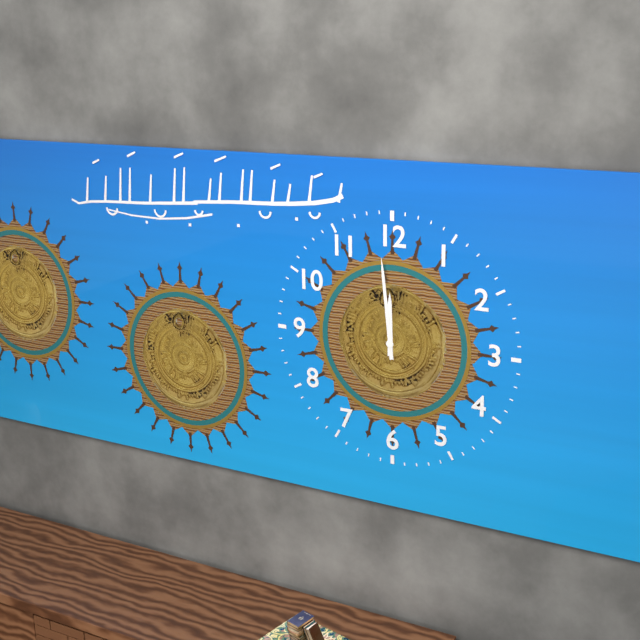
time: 11:59
